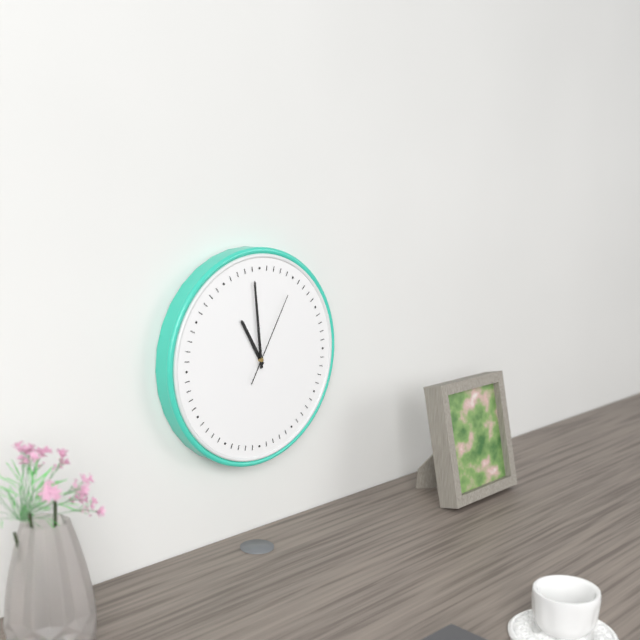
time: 10:59:05
